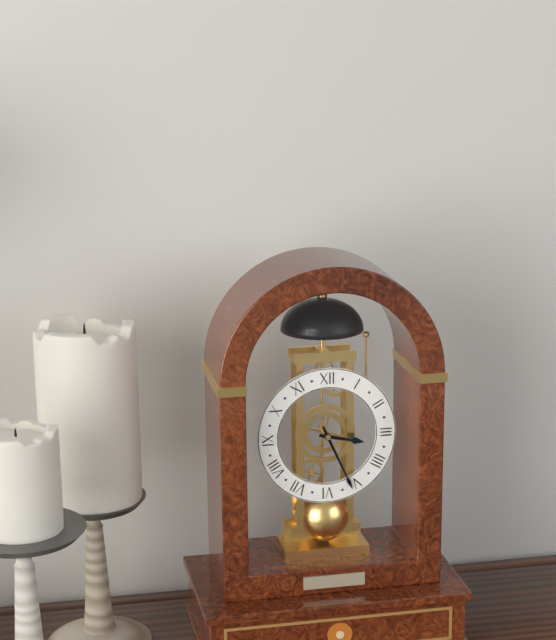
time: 3:26
